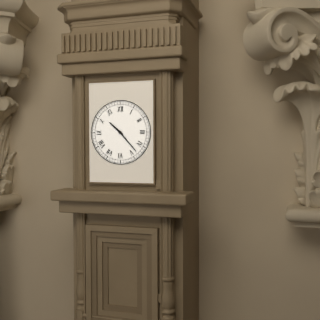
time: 10:23
